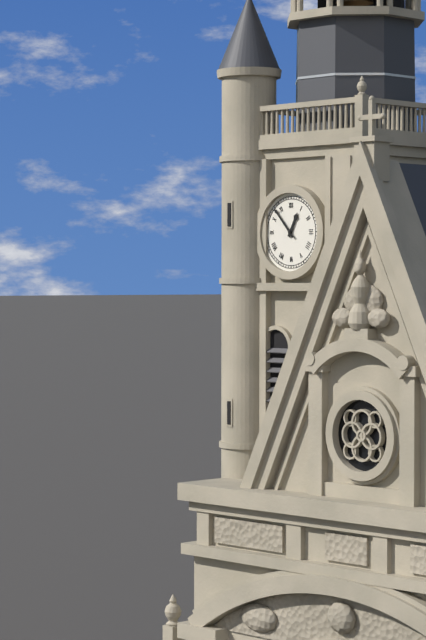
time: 12:53
